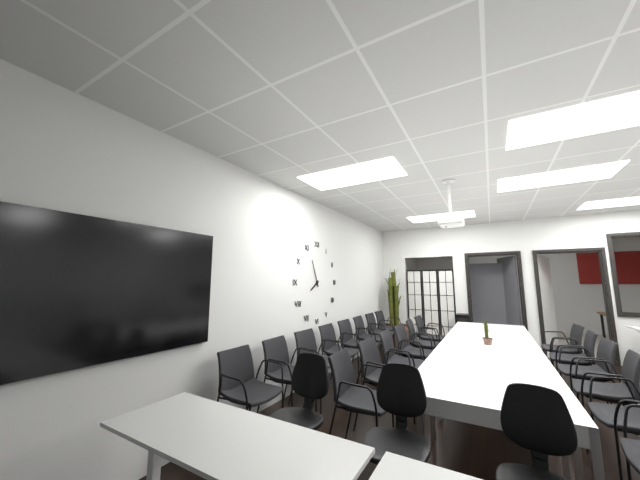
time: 7:56
